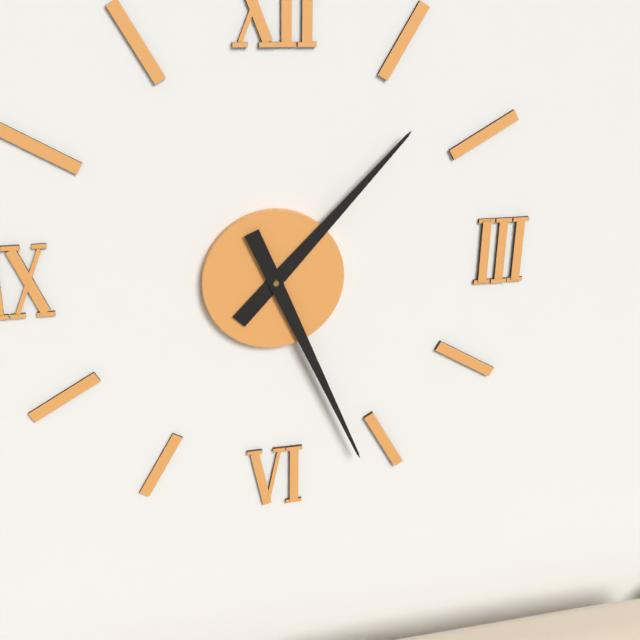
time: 1:26
